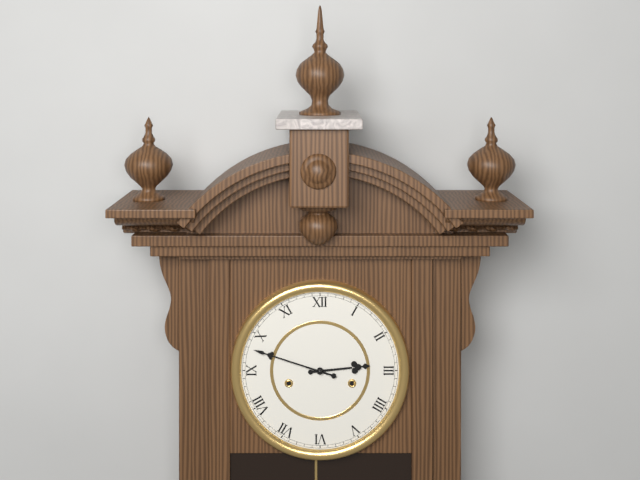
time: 2:48
